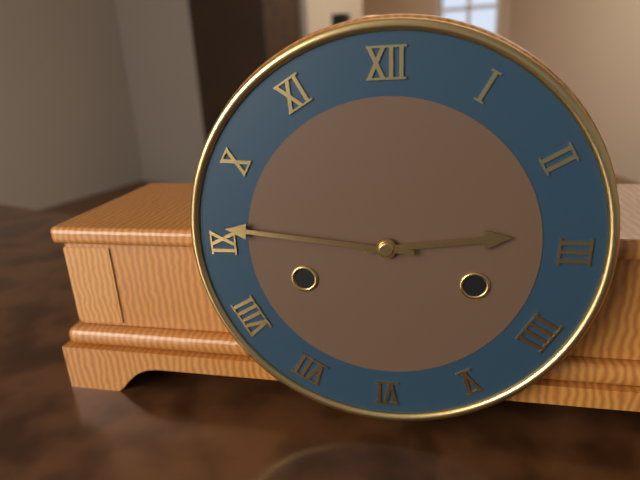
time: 2:46
